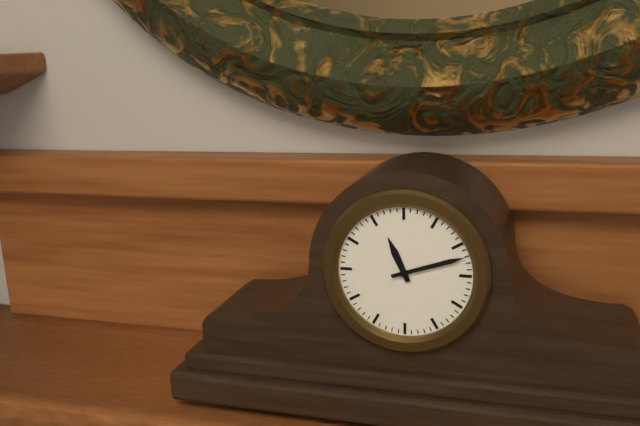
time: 11:12
